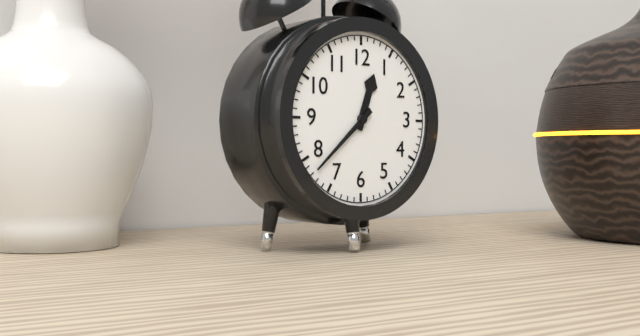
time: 12:38
